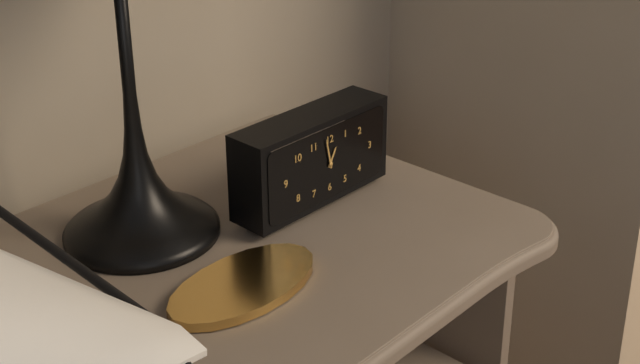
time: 12:58
